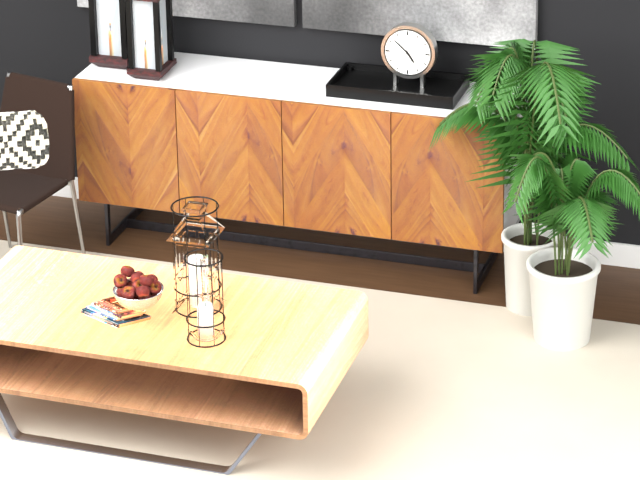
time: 4:52
